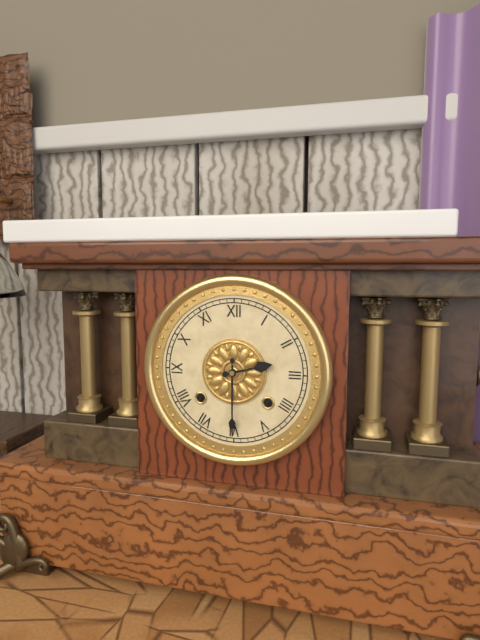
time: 2:30
